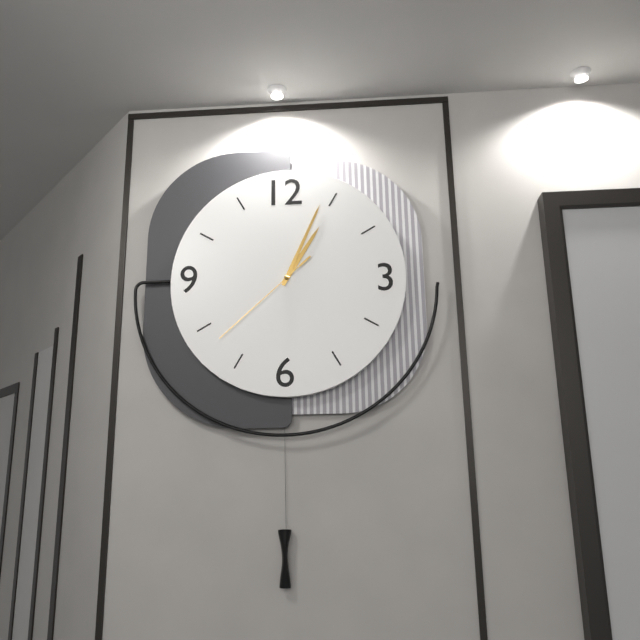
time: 1:04:38
